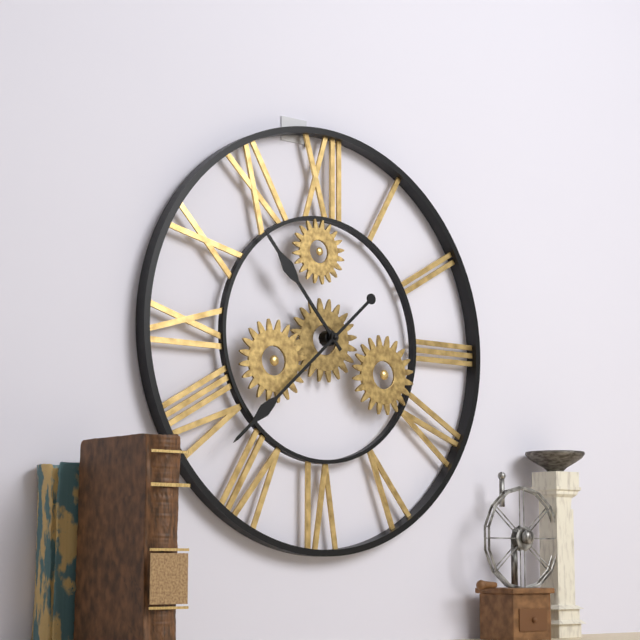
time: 10:38
